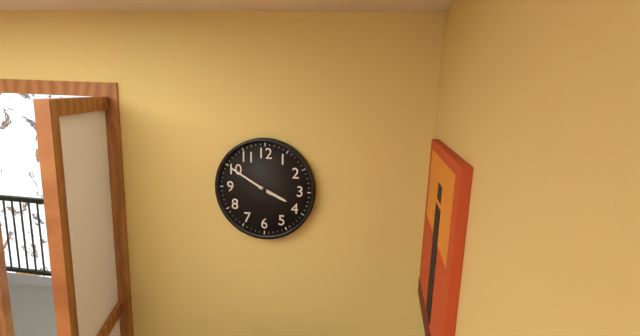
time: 3:50
